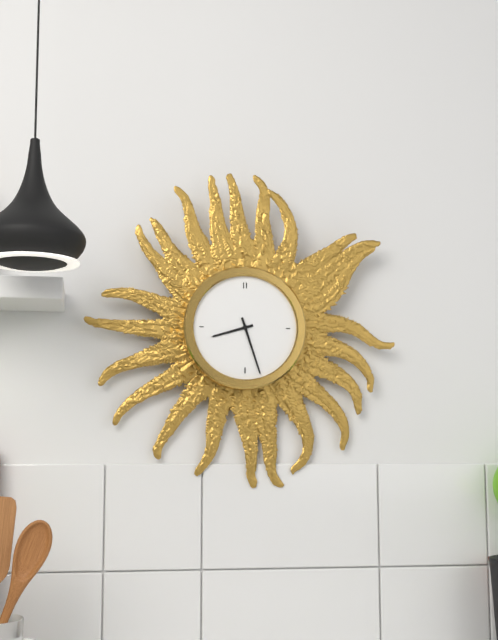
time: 8:27
